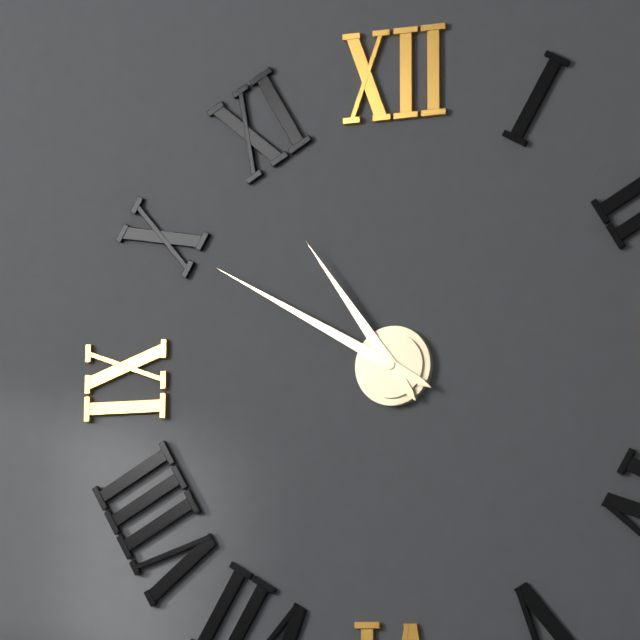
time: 10:50
